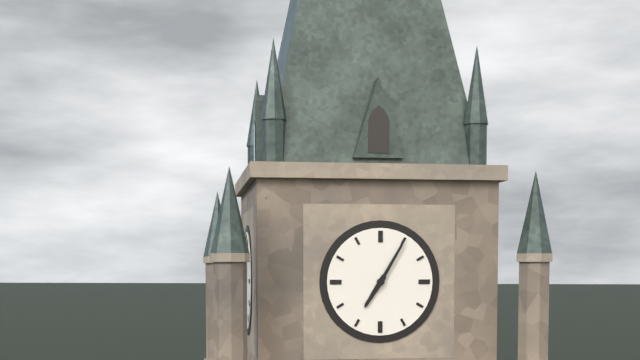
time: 7:05
